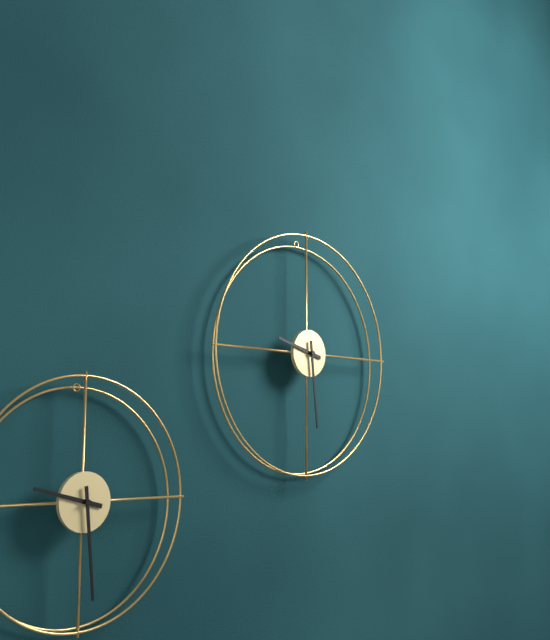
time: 9:29
